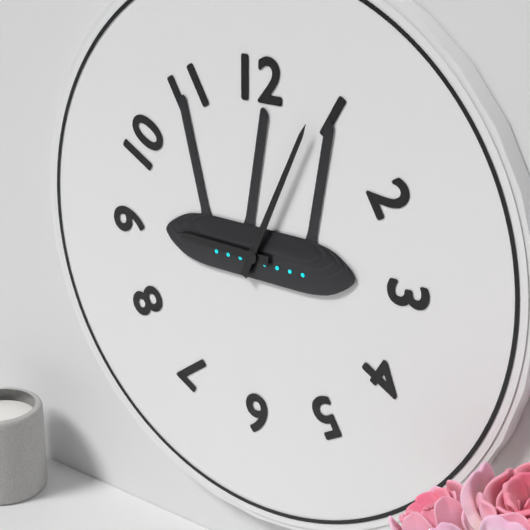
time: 9:04
